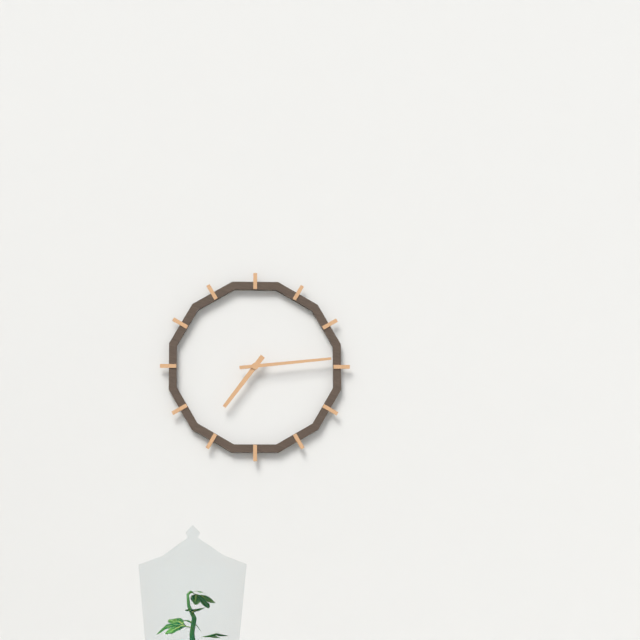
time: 7:14
